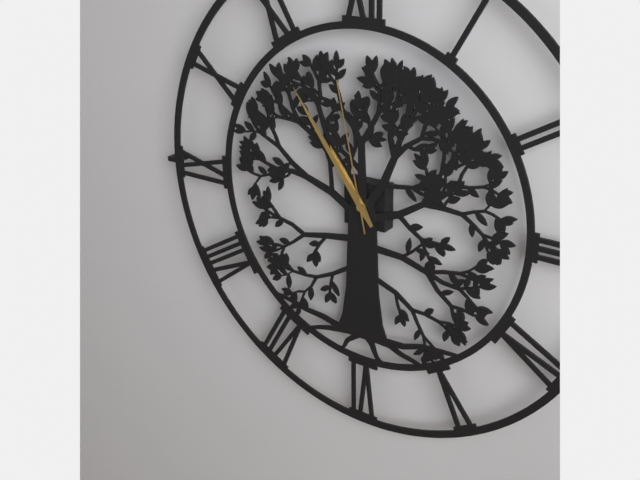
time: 10:54:58
